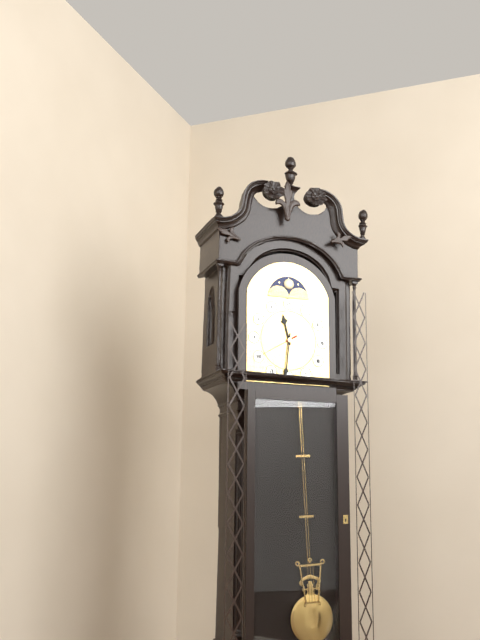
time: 11:31
